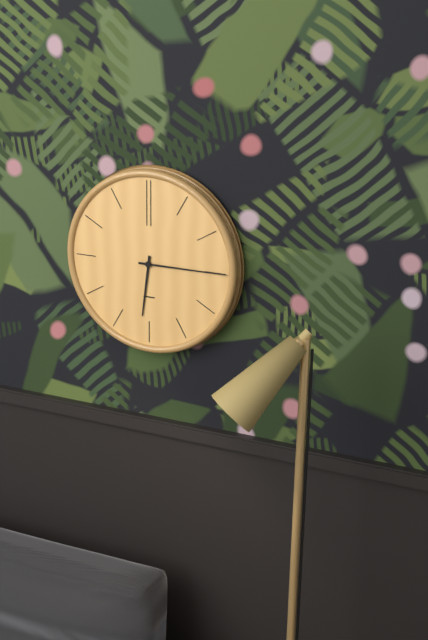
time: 6:15
